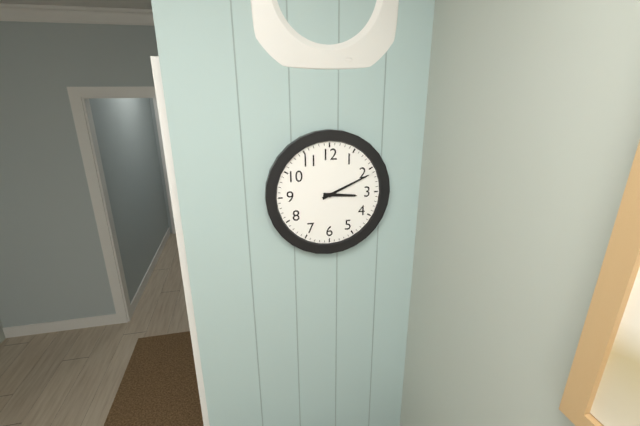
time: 3:11
